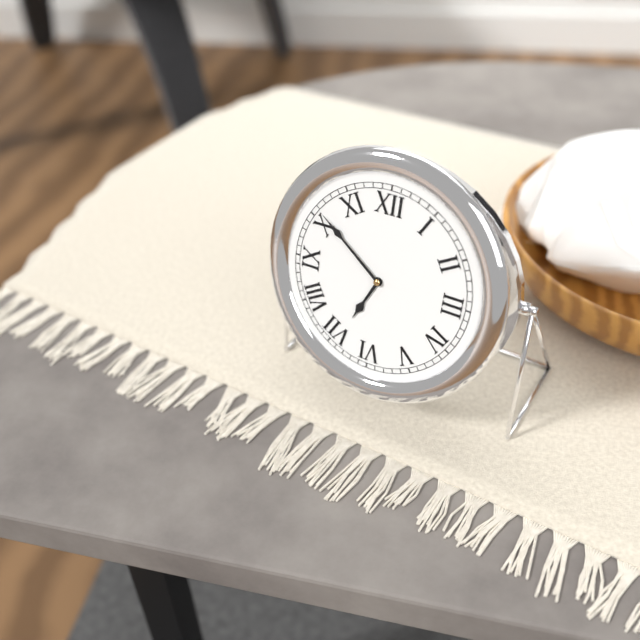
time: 6:51
